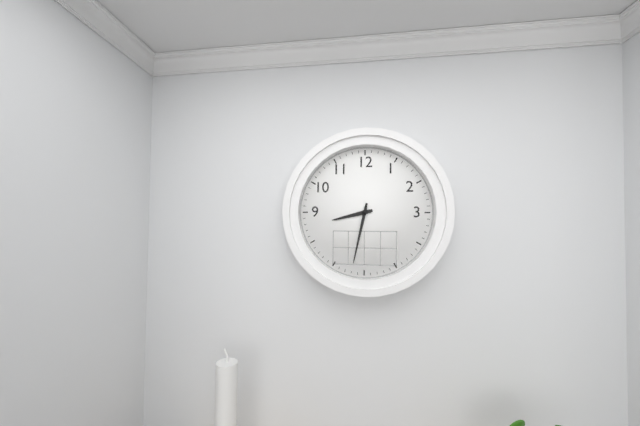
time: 8:32
